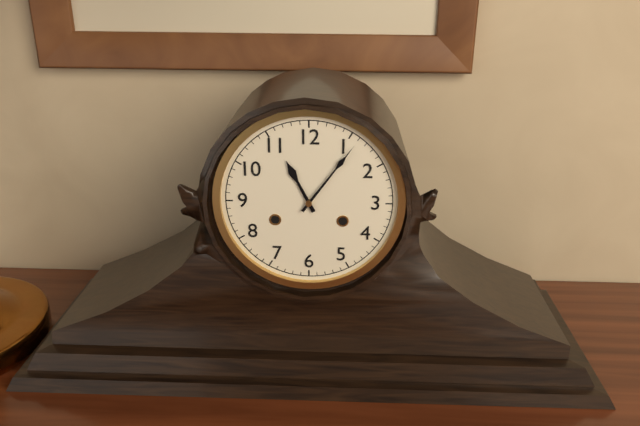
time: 11:06
